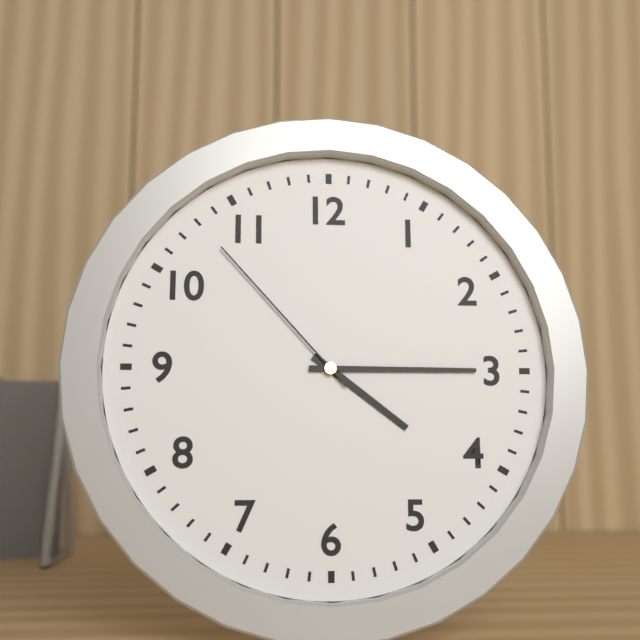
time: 4:15:53
